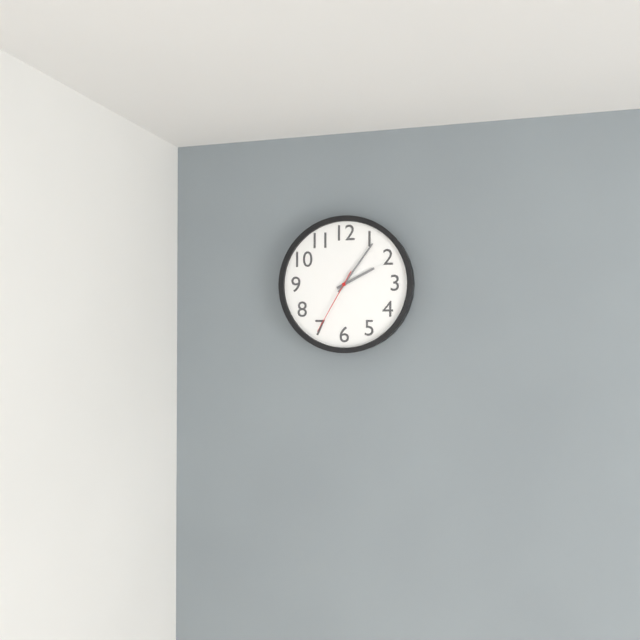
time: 2:06:35
